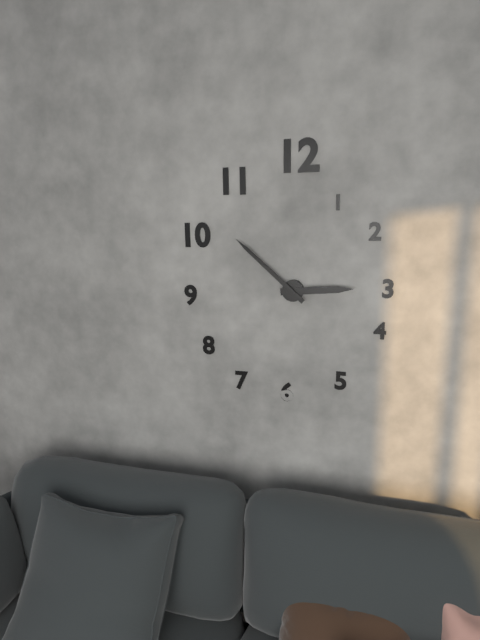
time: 2:52
